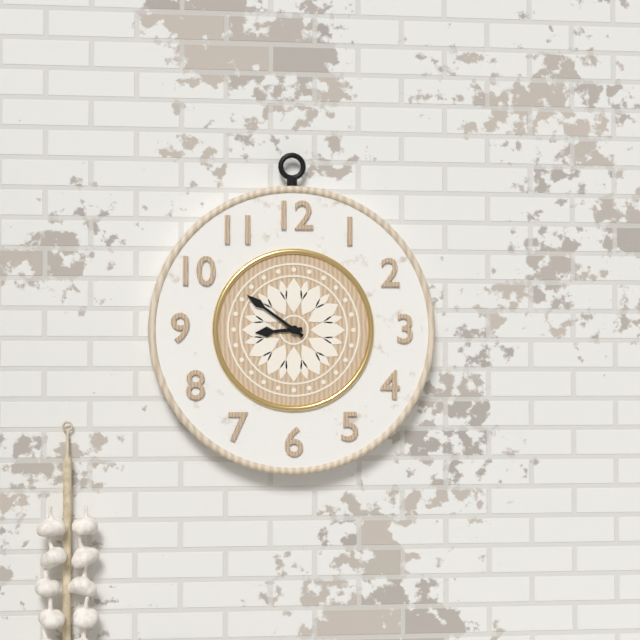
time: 8:51
